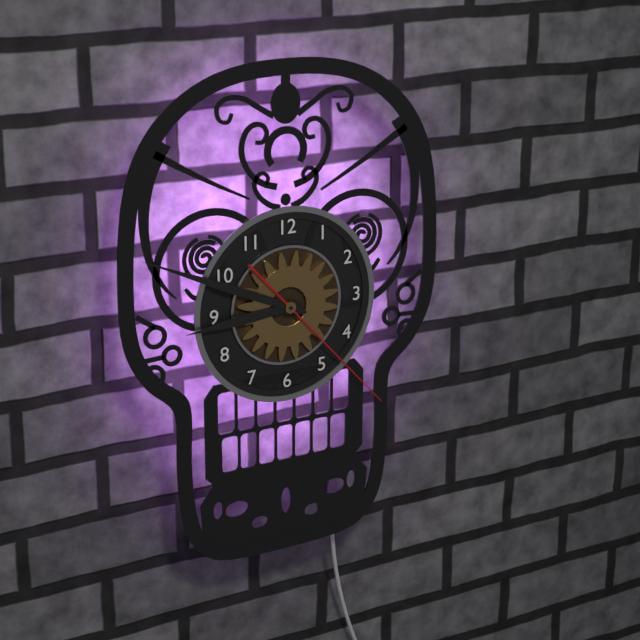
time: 8:49:23
